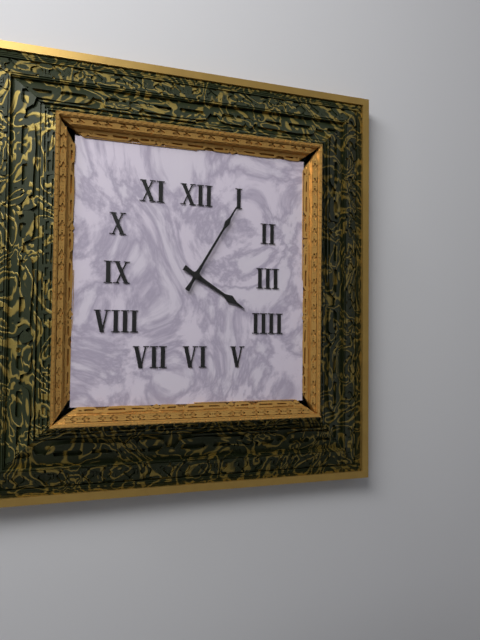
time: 4:05
